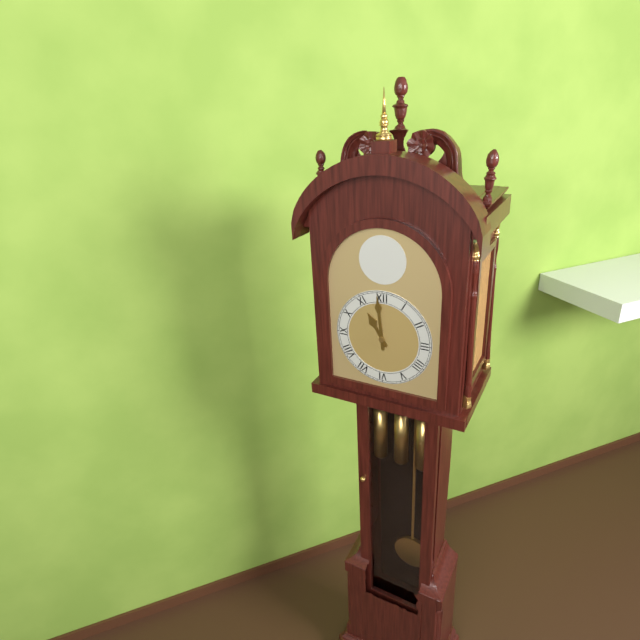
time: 10:59
